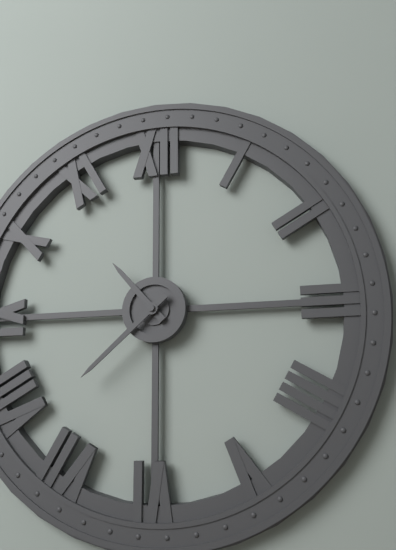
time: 10:38
